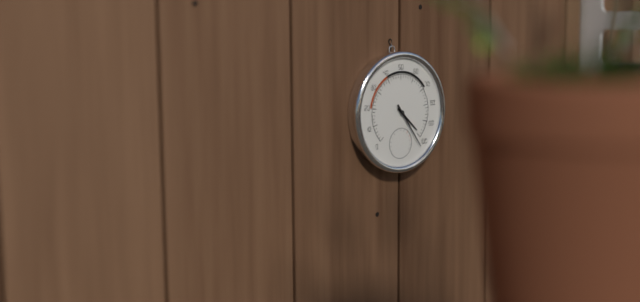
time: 4:24
